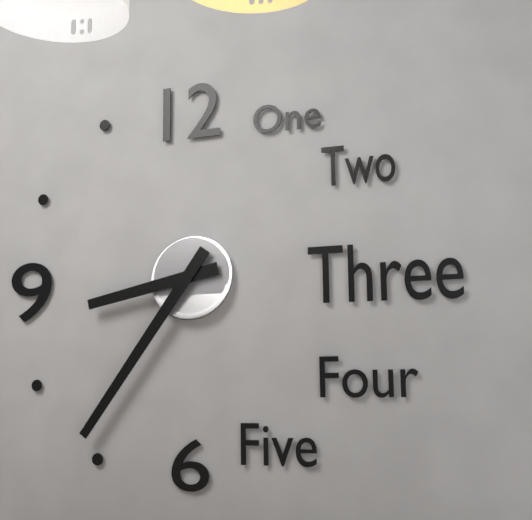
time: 8:36
